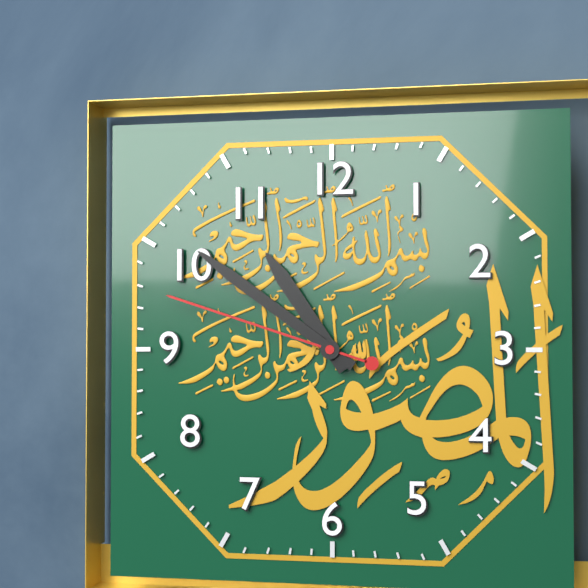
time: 10:51:48
